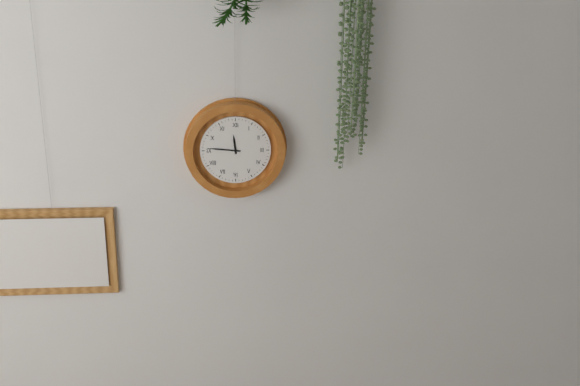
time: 11:46
